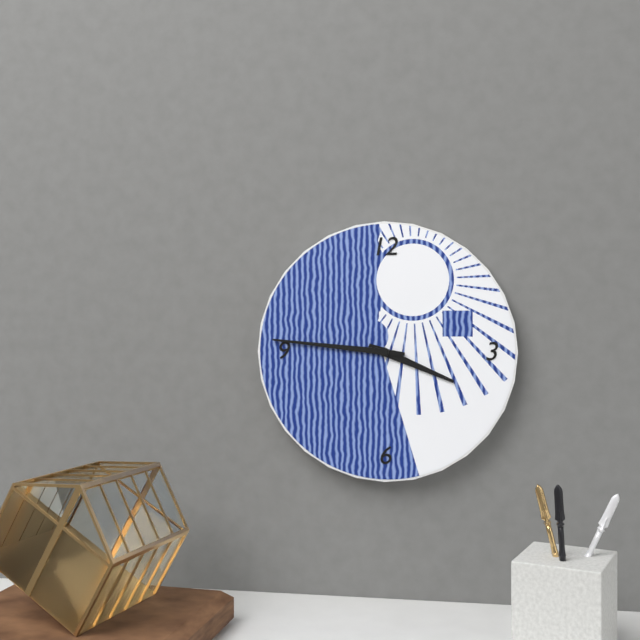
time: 3:46
